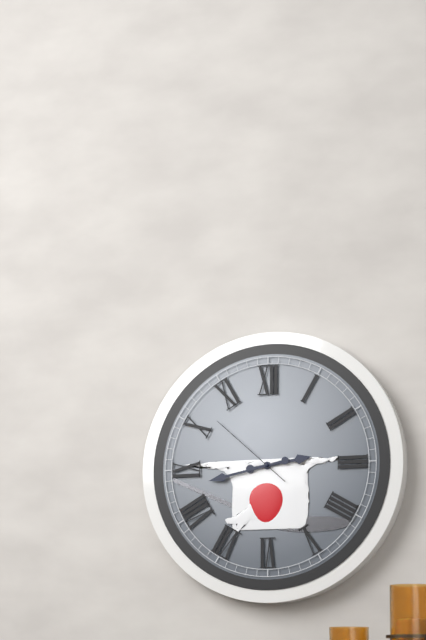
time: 2:43:52
